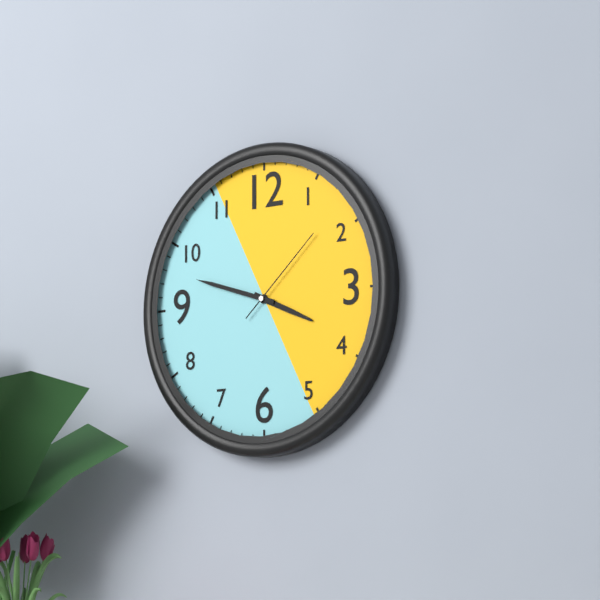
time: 3:48:08
